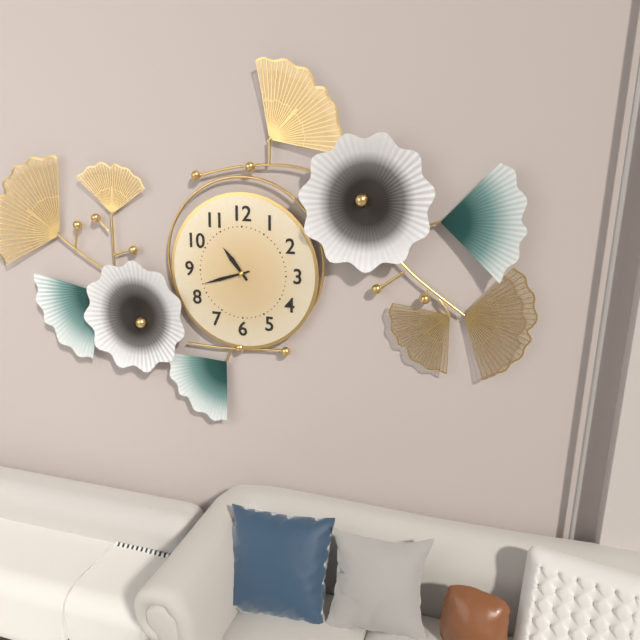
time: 10:42
